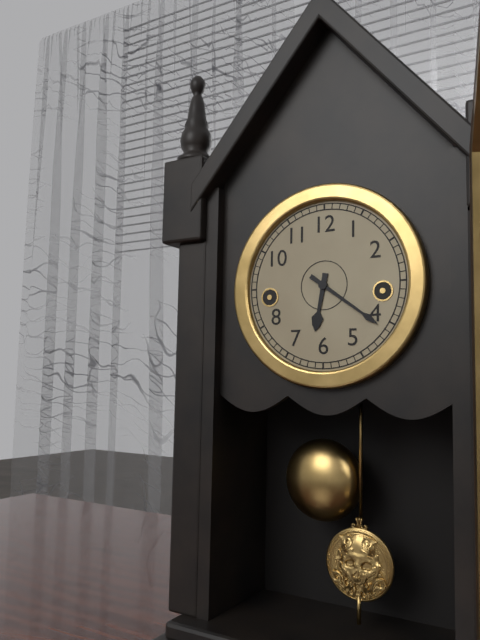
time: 6:21
